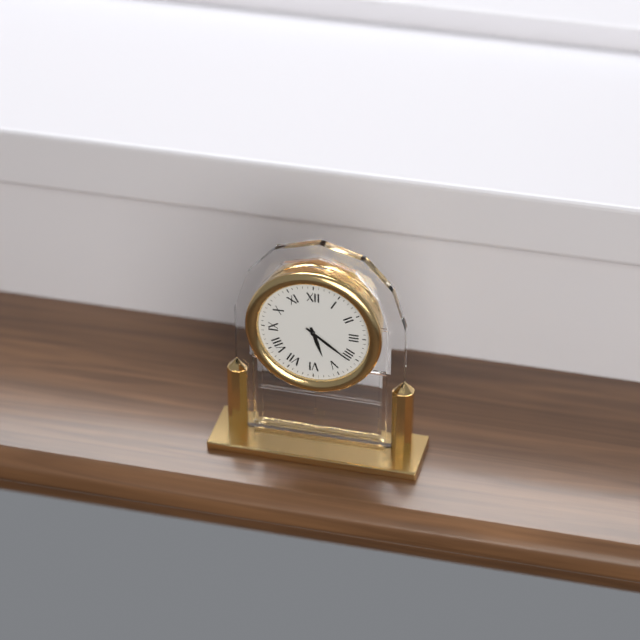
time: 5:21
